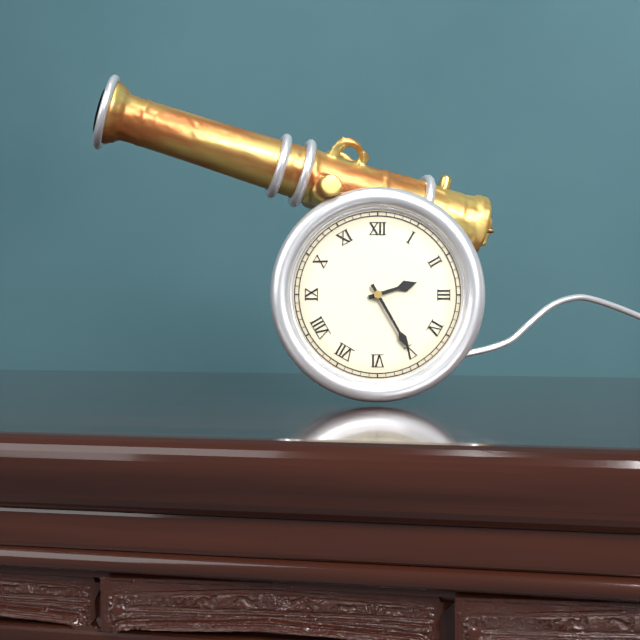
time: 2:25
